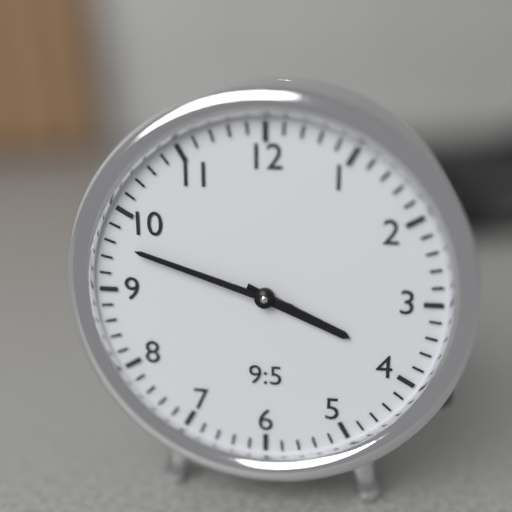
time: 3:48
